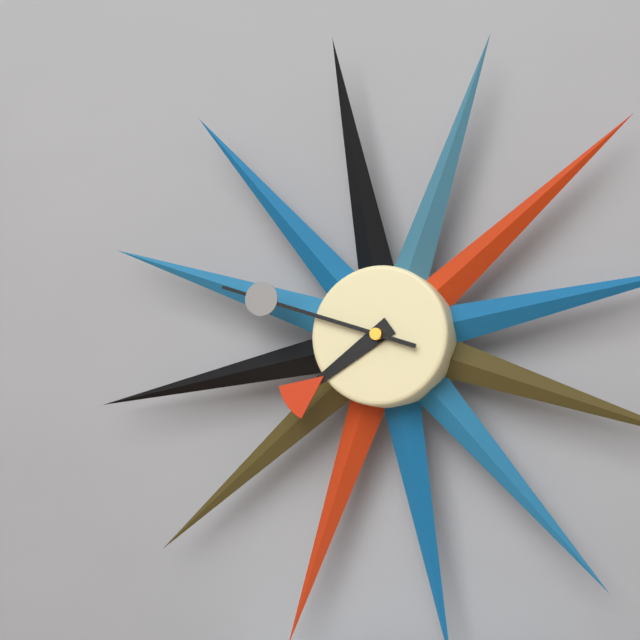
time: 7:48
